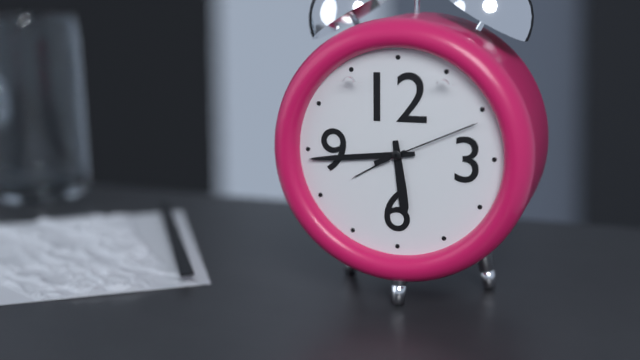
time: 5:44:11
